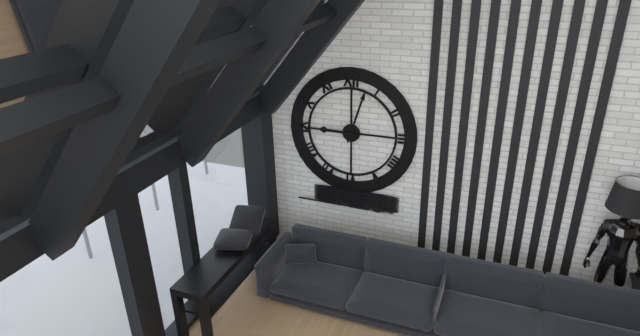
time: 9:03
